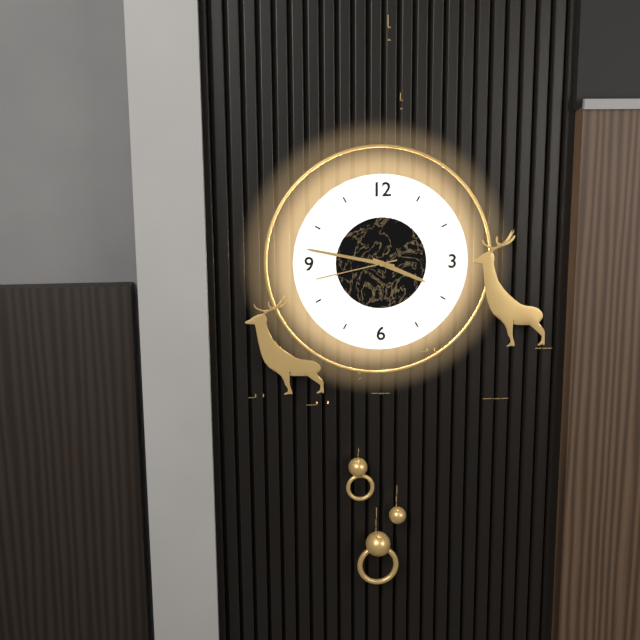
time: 3:47:43
